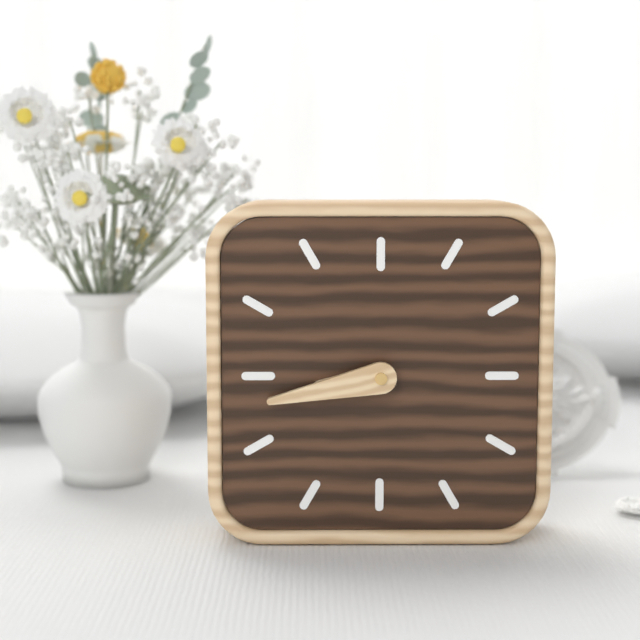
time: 8:43
